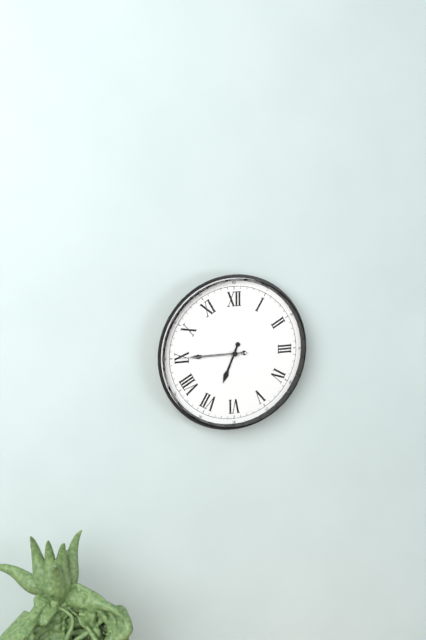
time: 6:45:45
